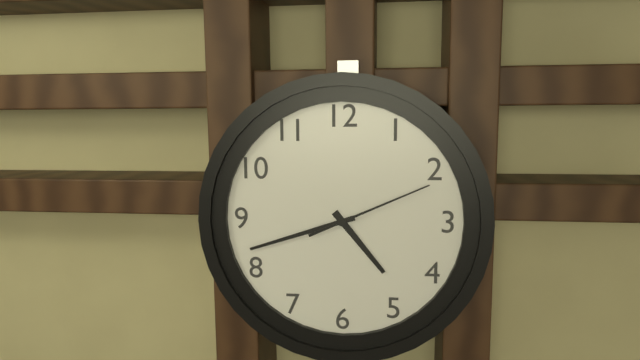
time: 4:42:11
